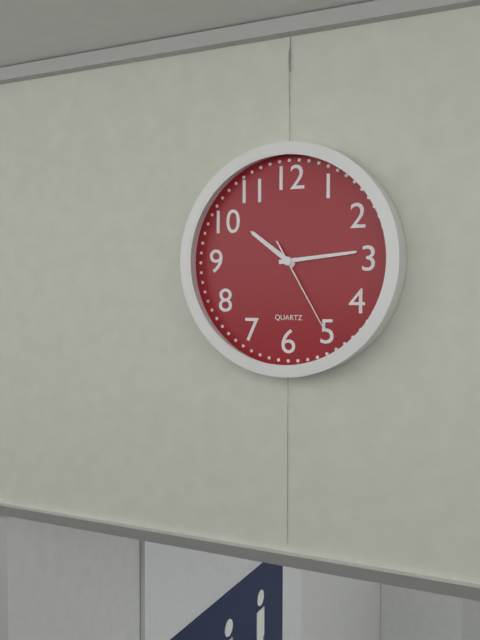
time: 10:14:25
